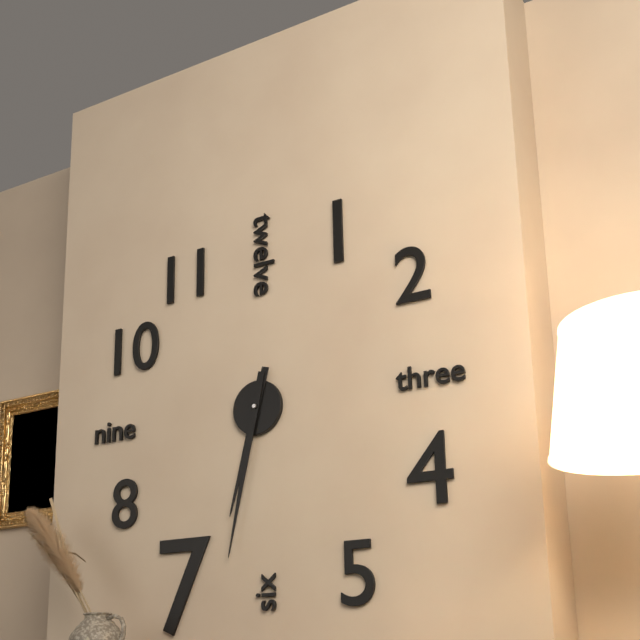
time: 6:32
